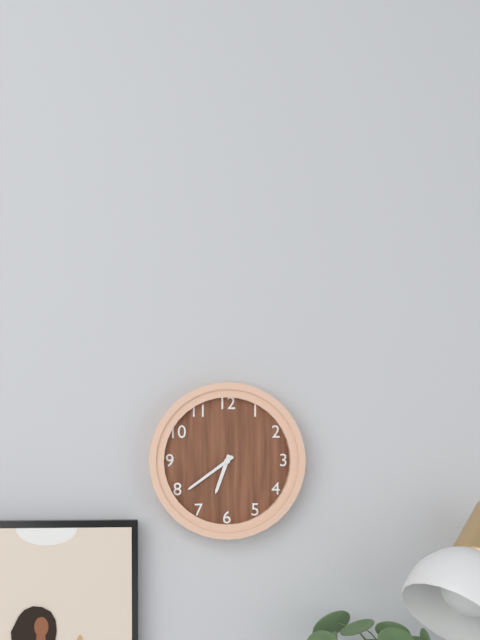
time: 6:39
